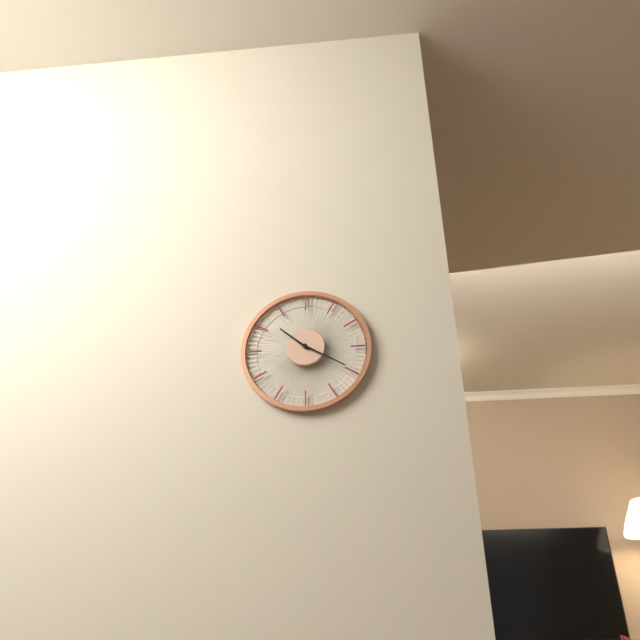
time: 10:20
